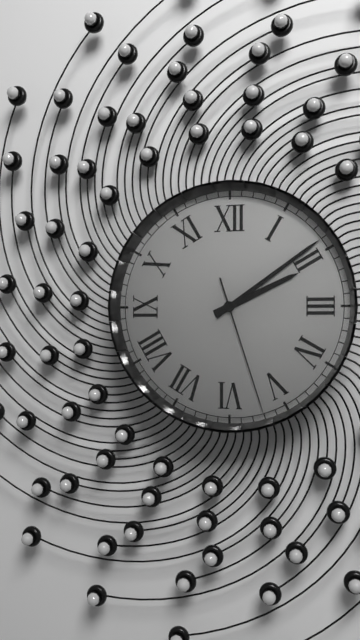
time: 2:09:27
